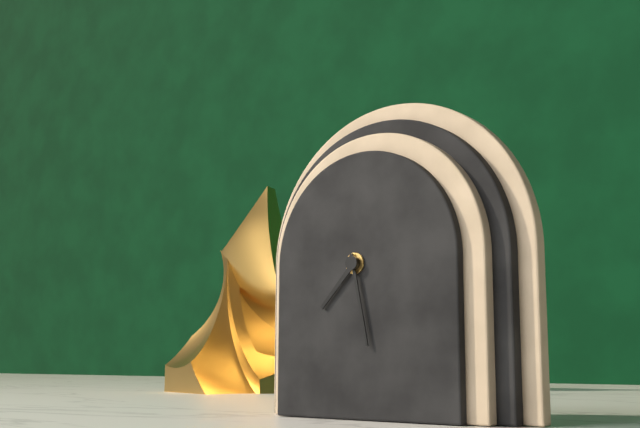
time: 7:28
